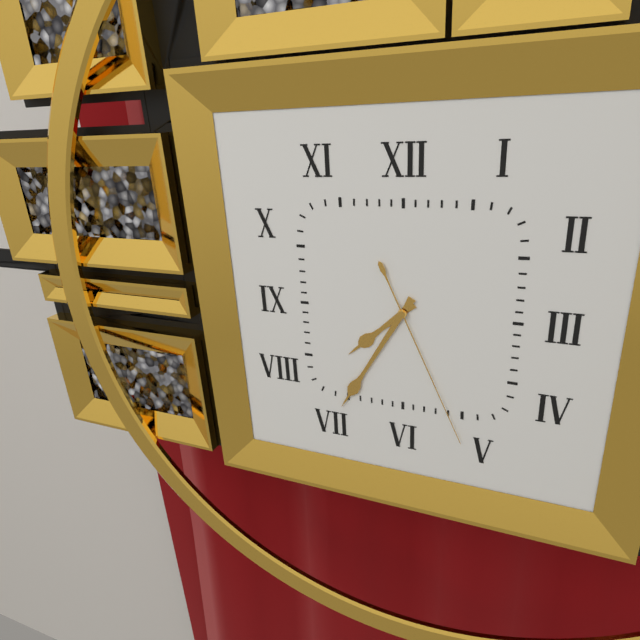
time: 7:35:26
